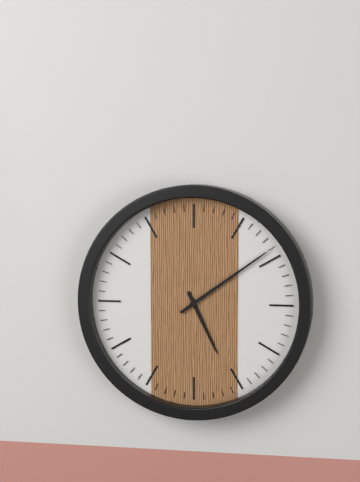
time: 5:09
